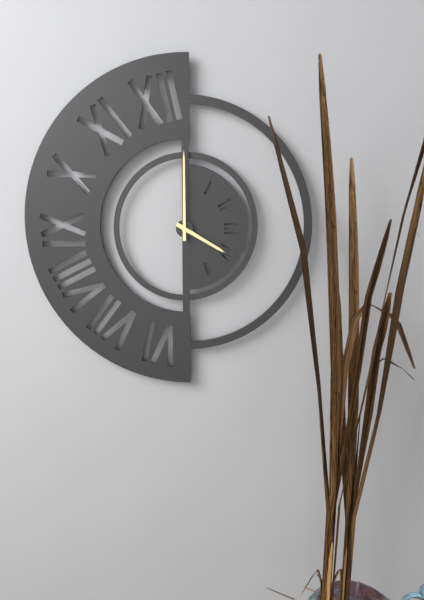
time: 4:00
